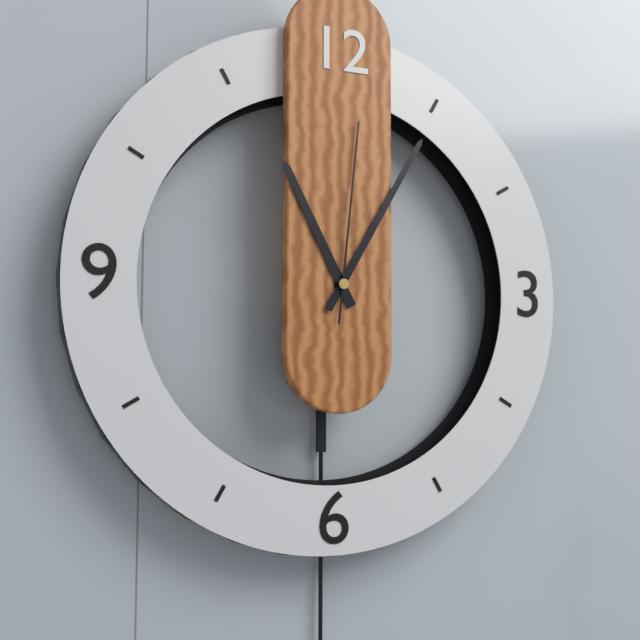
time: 11:05:01
